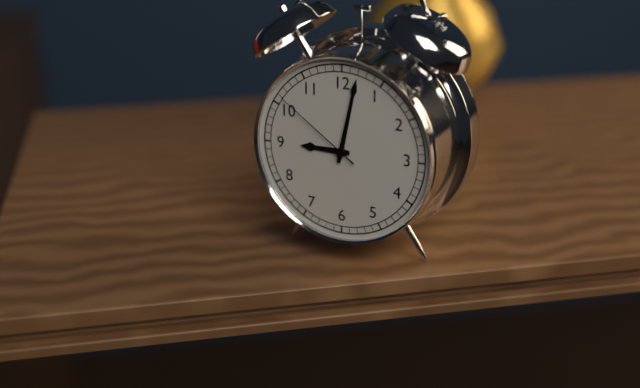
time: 9:02:51
